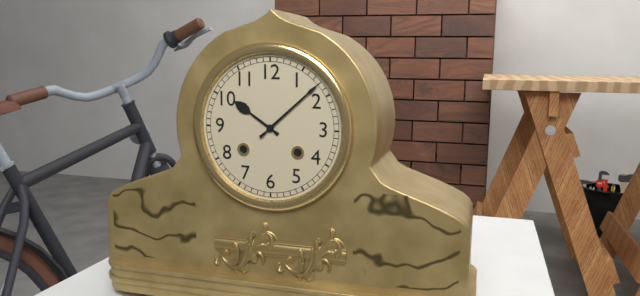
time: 10:08
